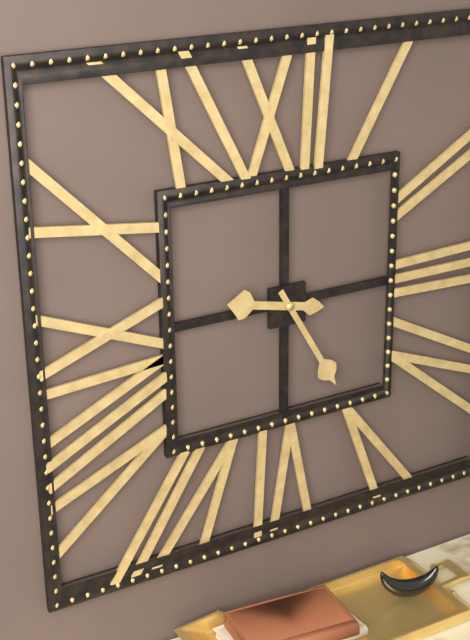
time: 9:25
